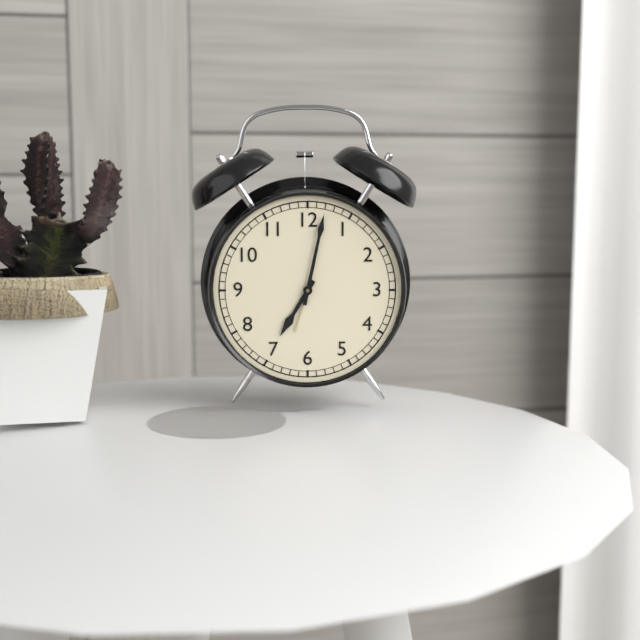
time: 7:02
